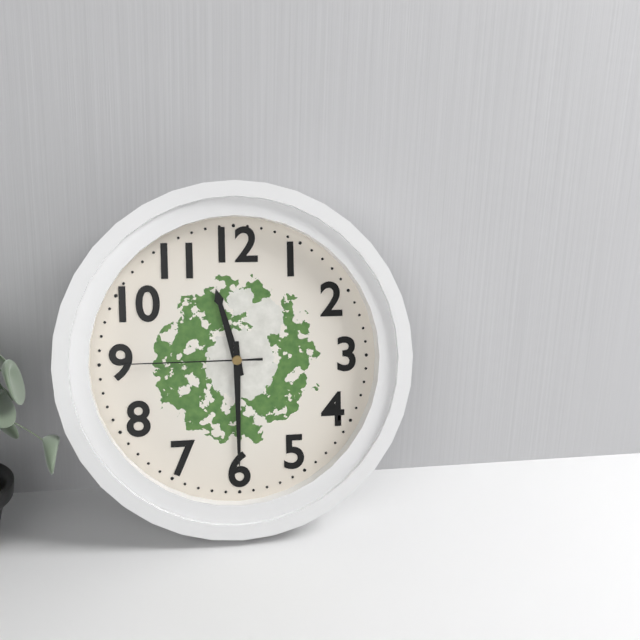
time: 11:30:45
